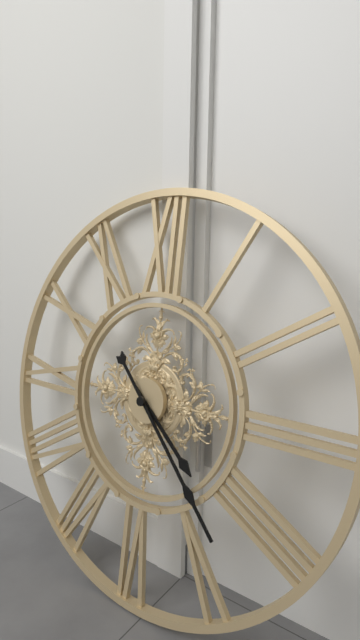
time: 4:23
